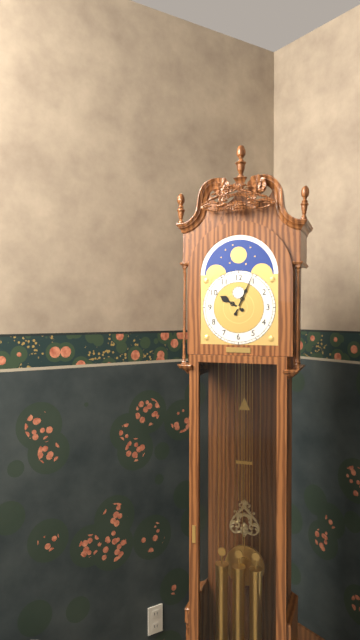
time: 10:04
